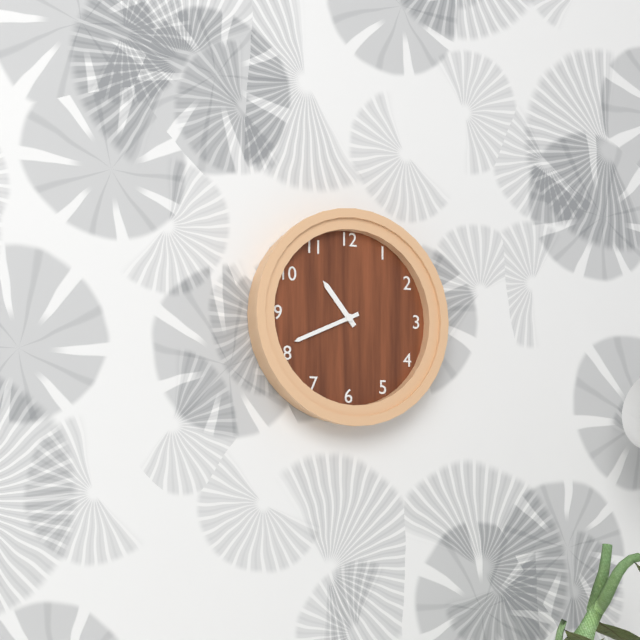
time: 10:41
